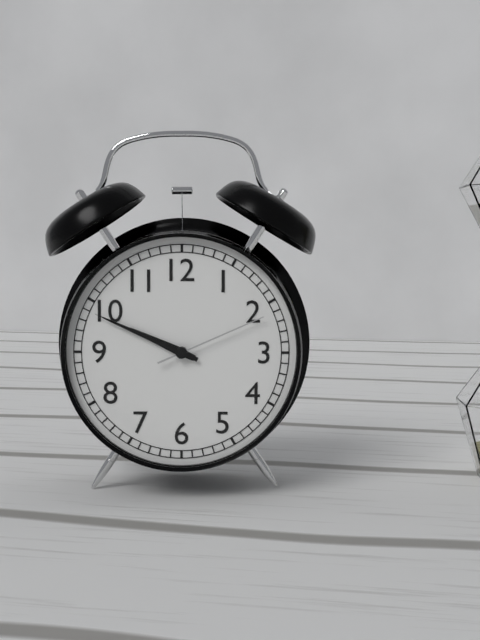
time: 9:49:11
